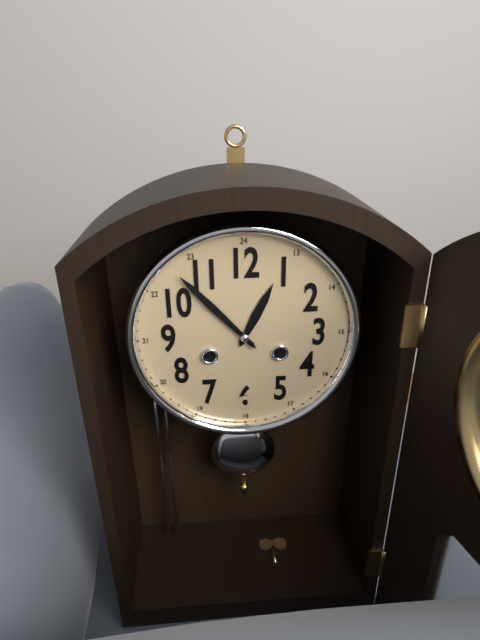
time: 12:53
